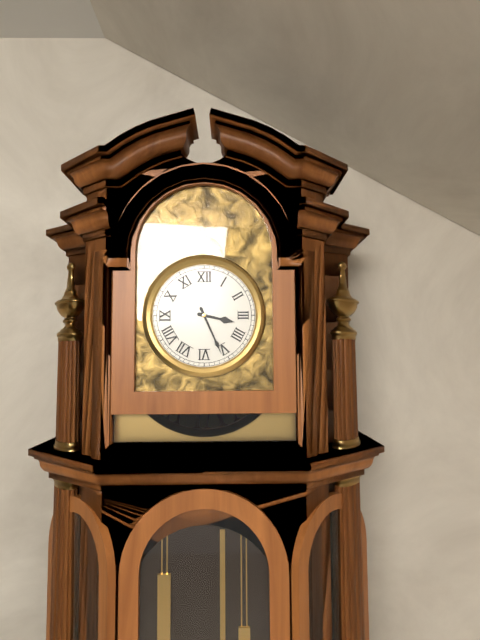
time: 3:26
